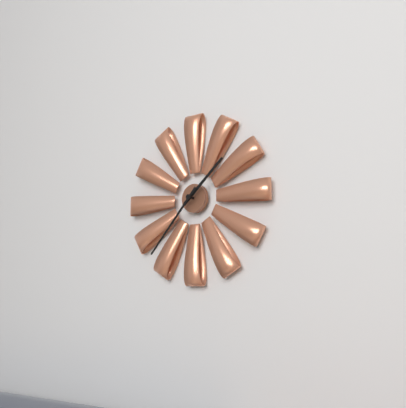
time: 1:37
